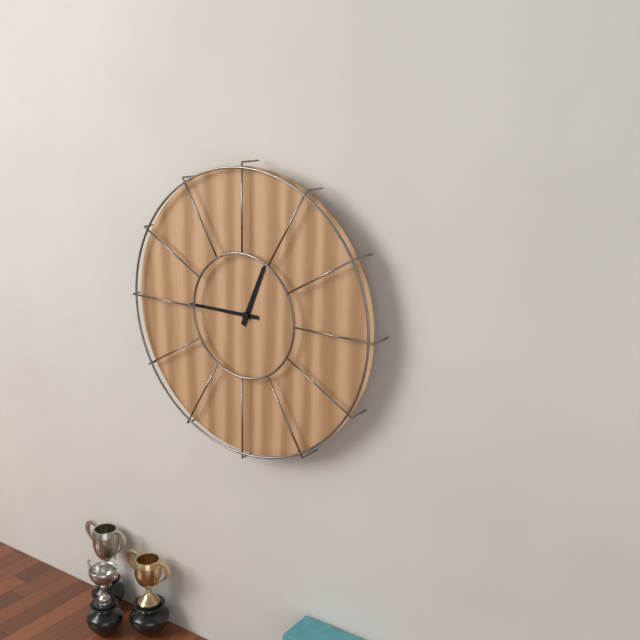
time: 12:45
